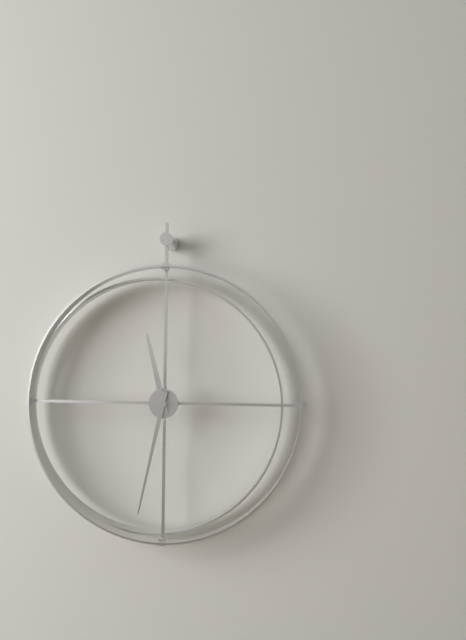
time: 11:32
